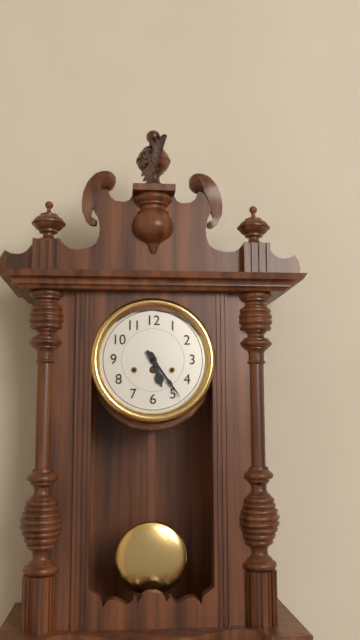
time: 5:24
